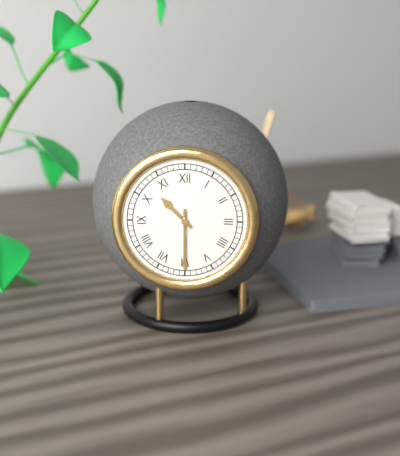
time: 10:30
